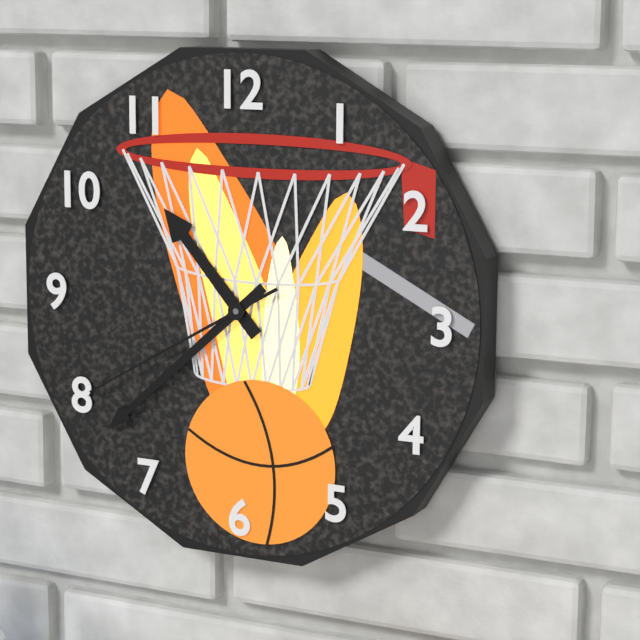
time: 10:38:40
